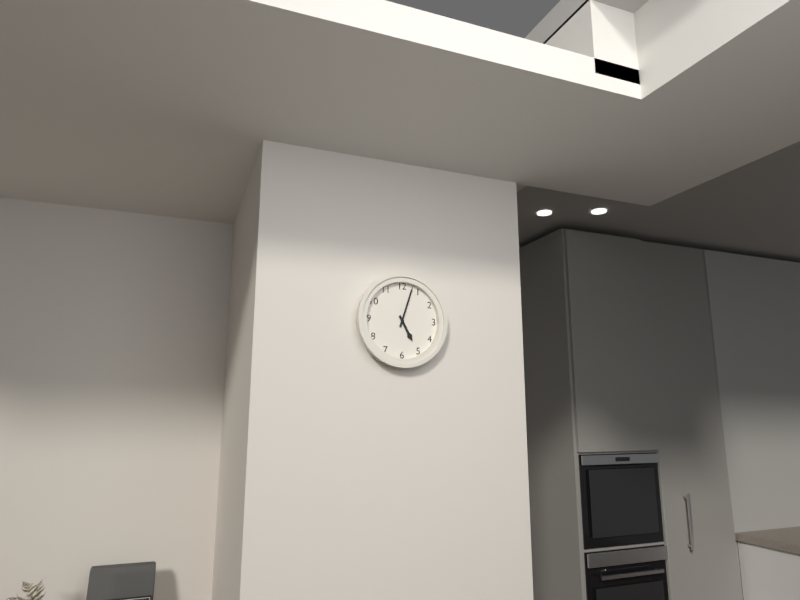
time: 5:03
